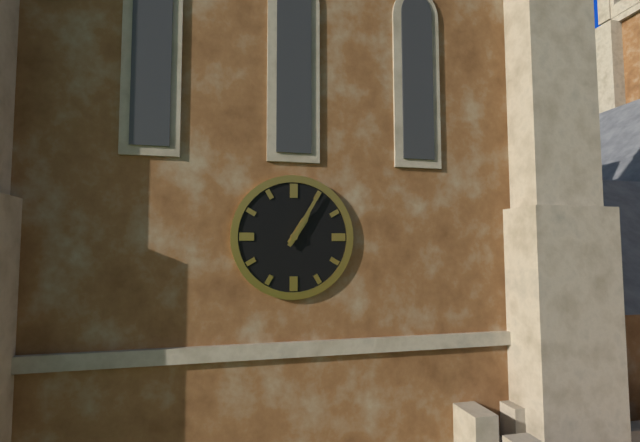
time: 1:05
